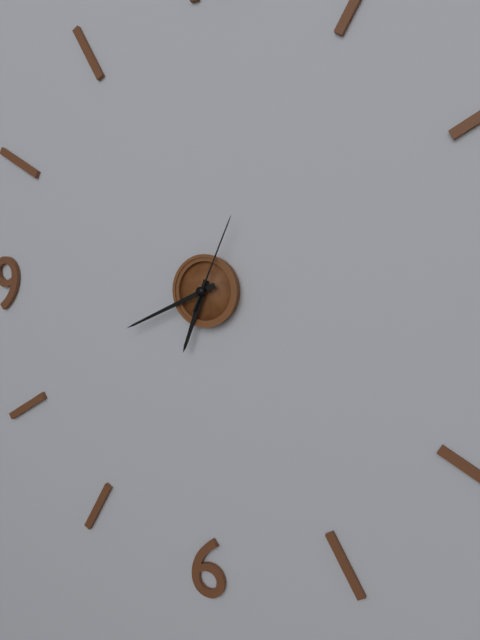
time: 6:41:04
